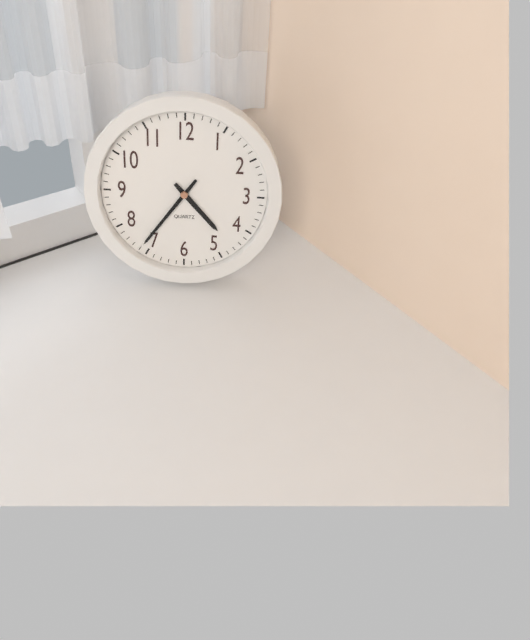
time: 4:36:36
